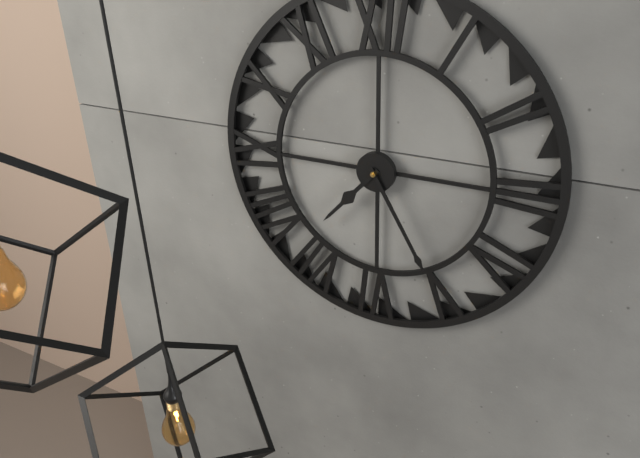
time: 7:25
